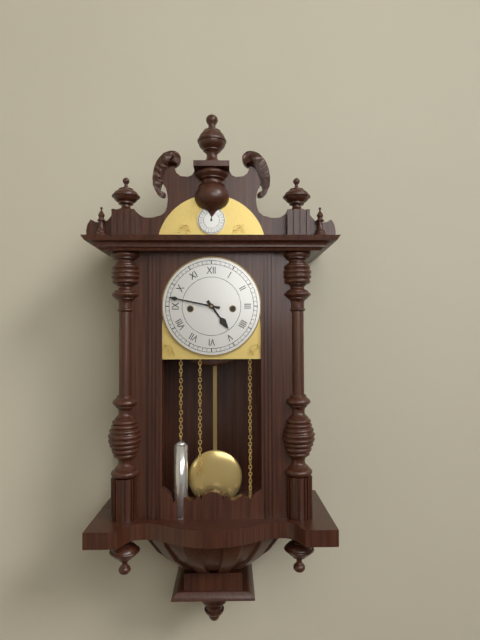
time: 4:47
